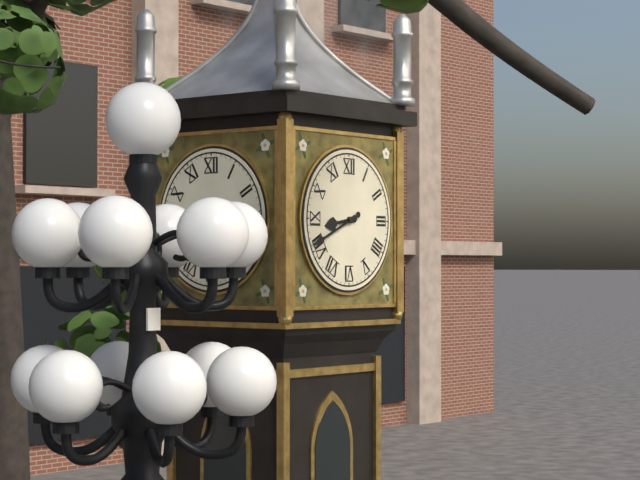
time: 8:41
